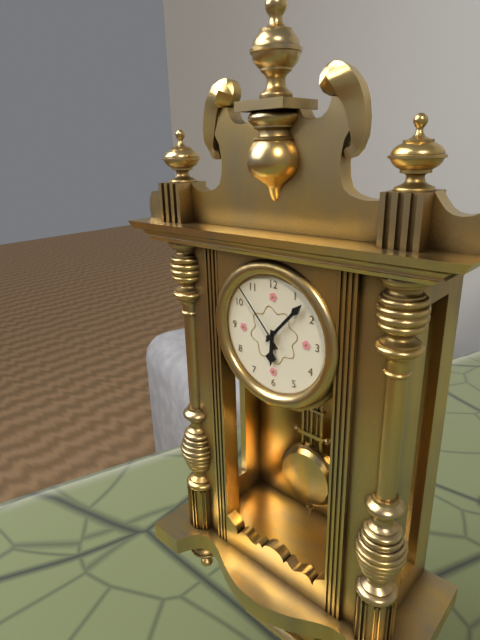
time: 6:07:53
